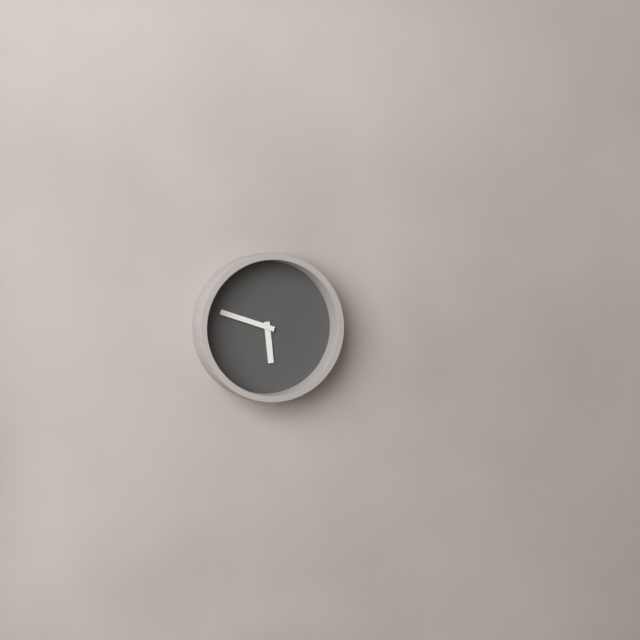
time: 5:48
